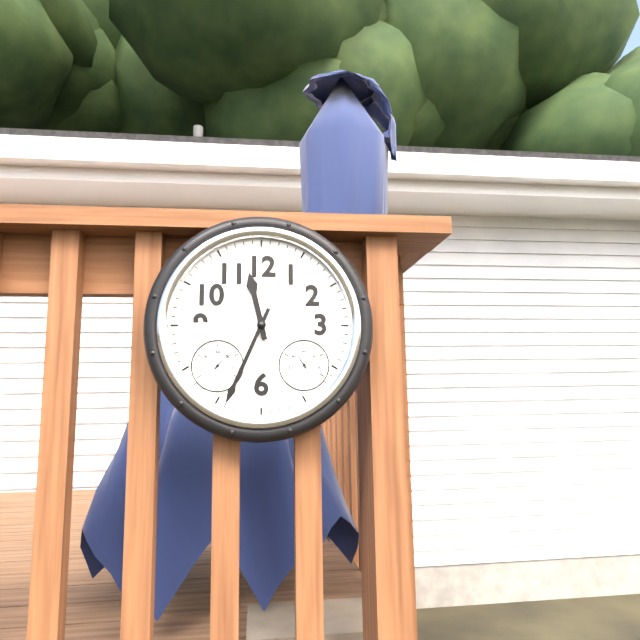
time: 11:34
